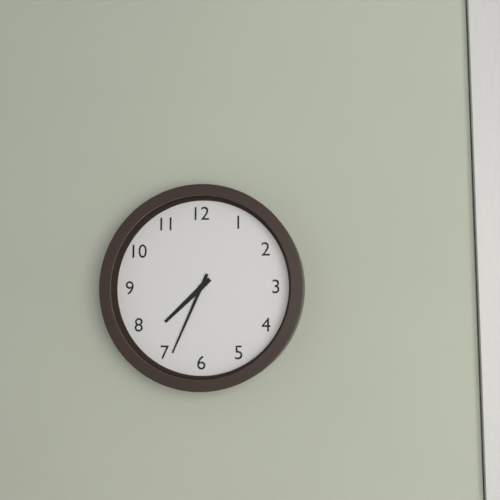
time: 7:34
